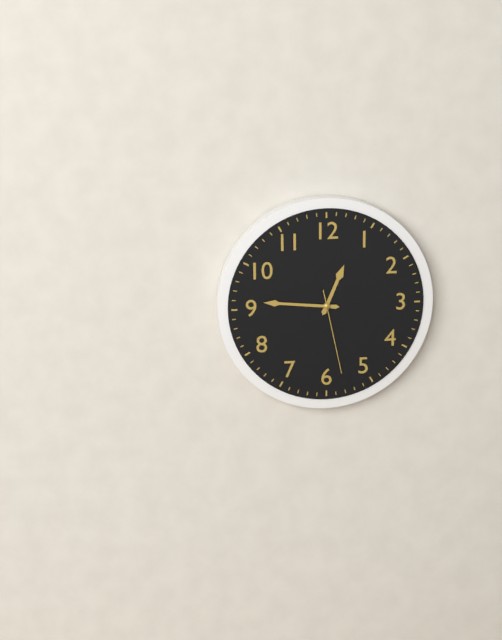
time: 12:46:28
